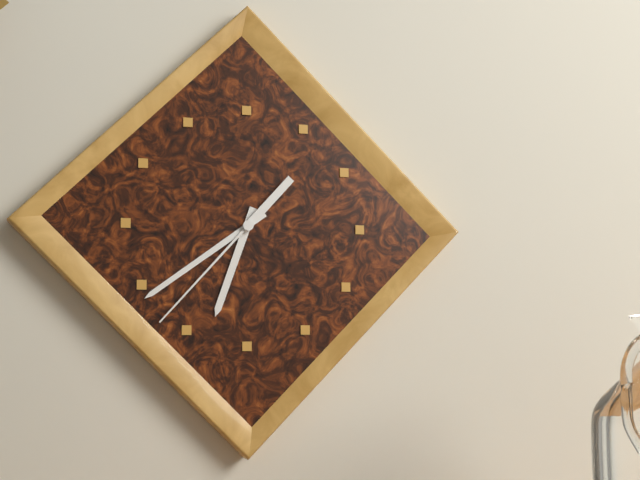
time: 6:39:37
